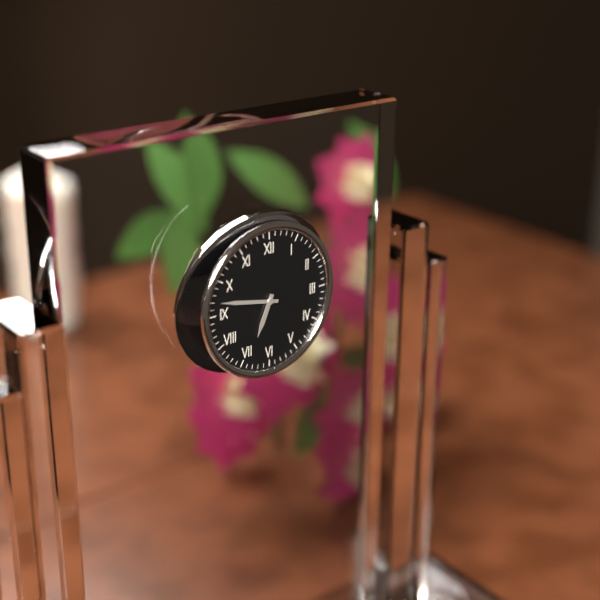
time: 6:47
